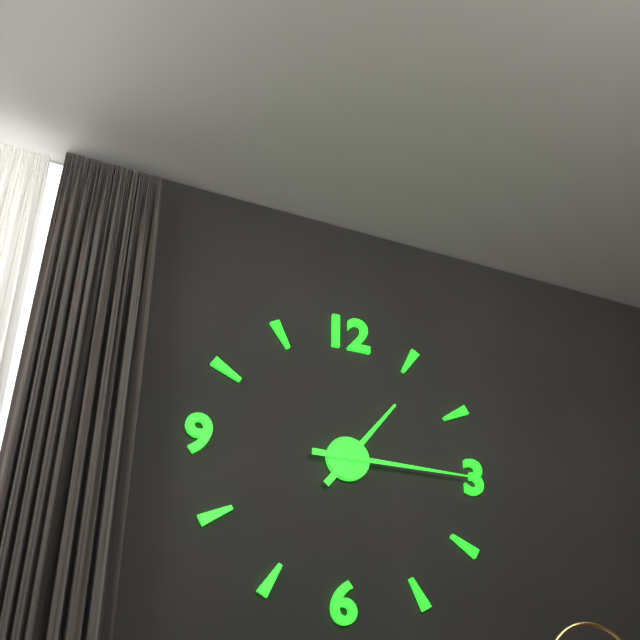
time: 1:15
